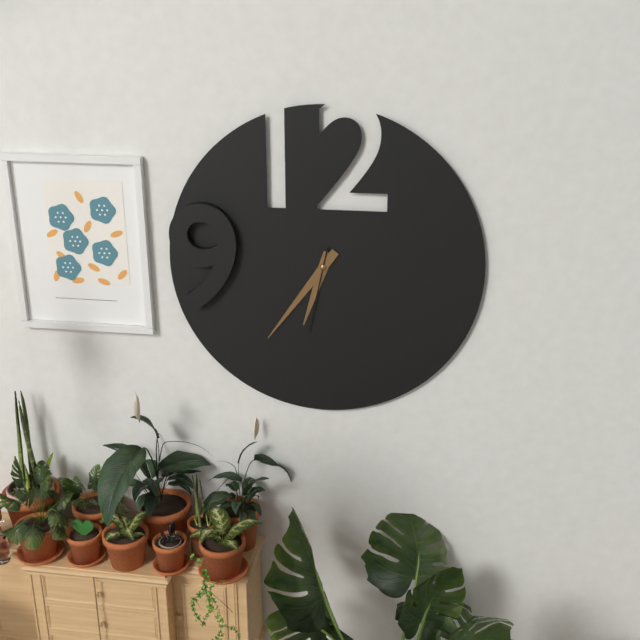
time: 6:36:32
